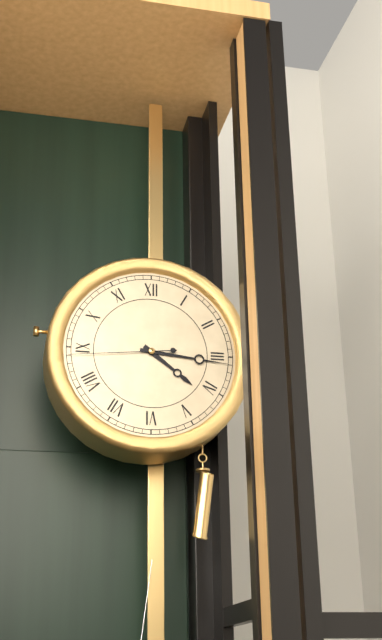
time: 4:16:44
